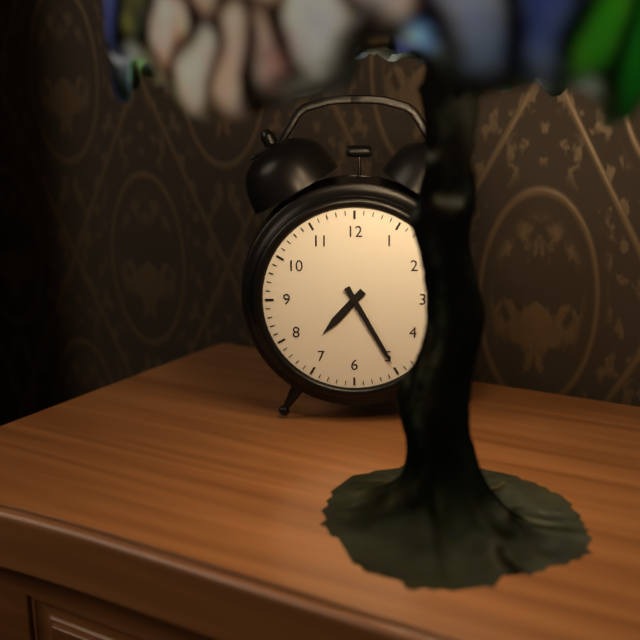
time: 7:25
